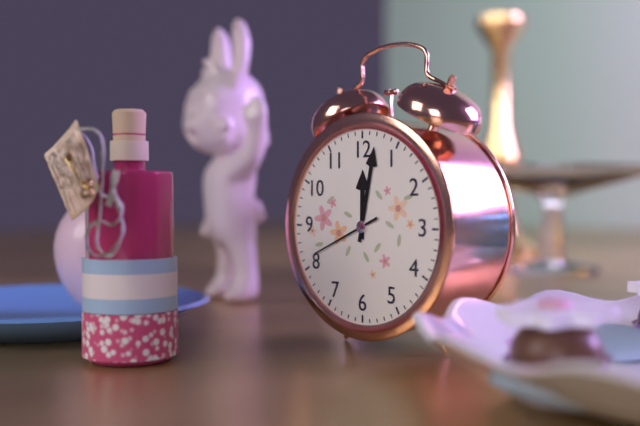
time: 12:02:41
